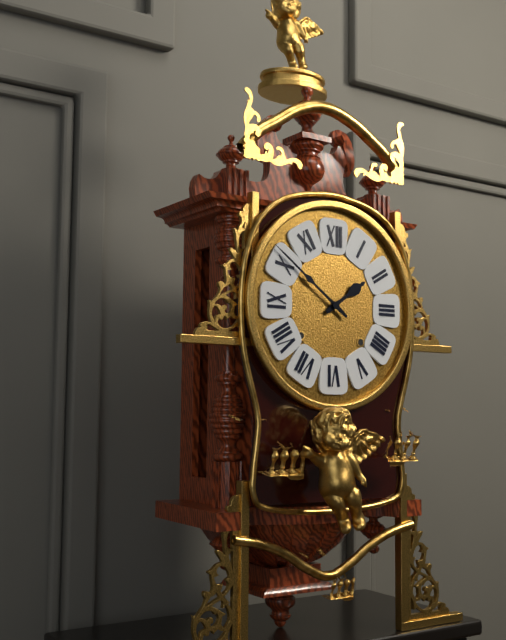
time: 1:51
